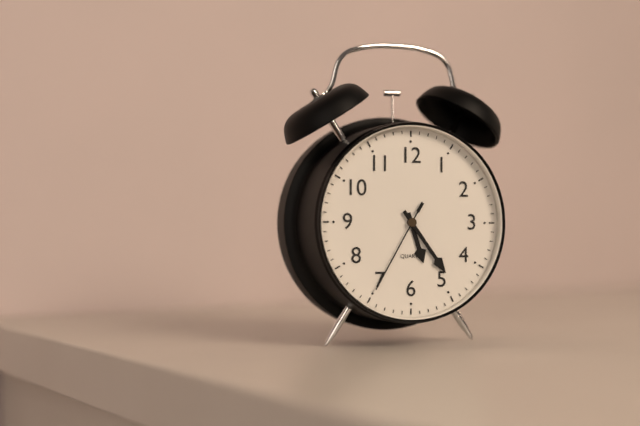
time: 5:24:35
